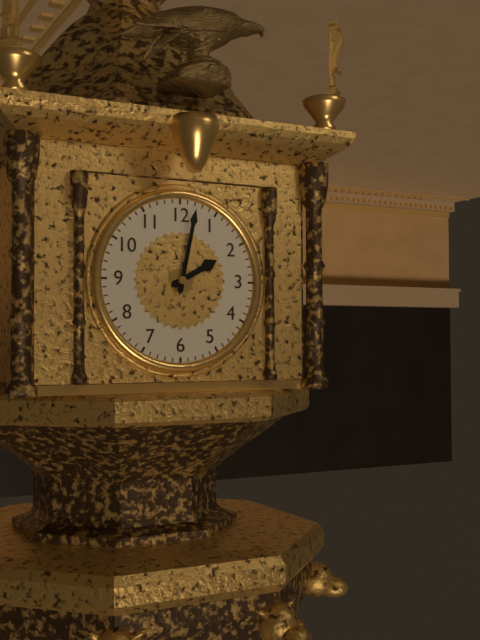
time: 2:02
